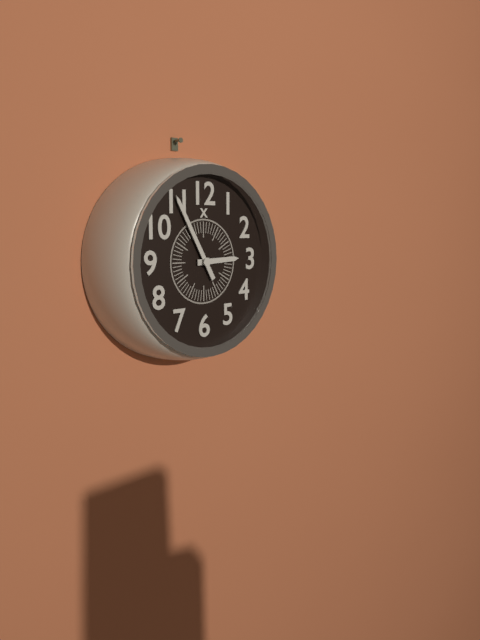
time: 2:55
